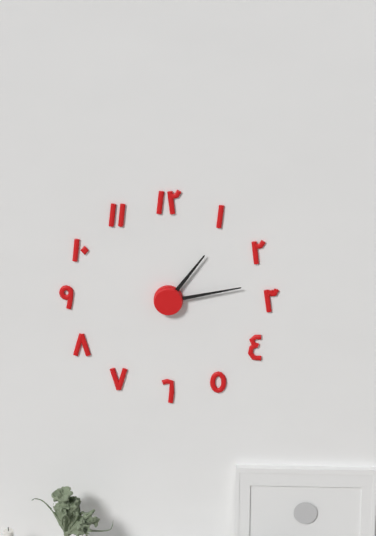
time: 1:13
